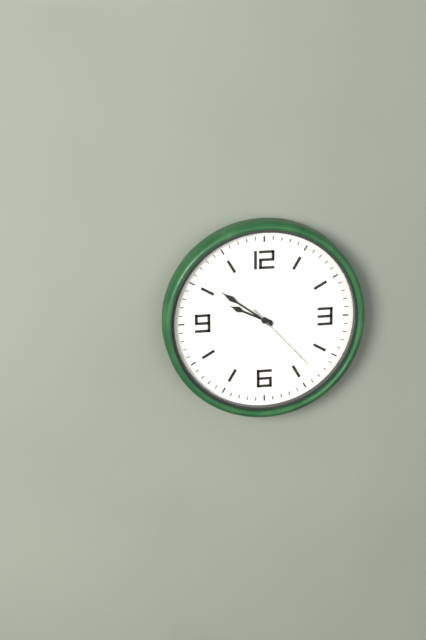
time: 9:51:23
